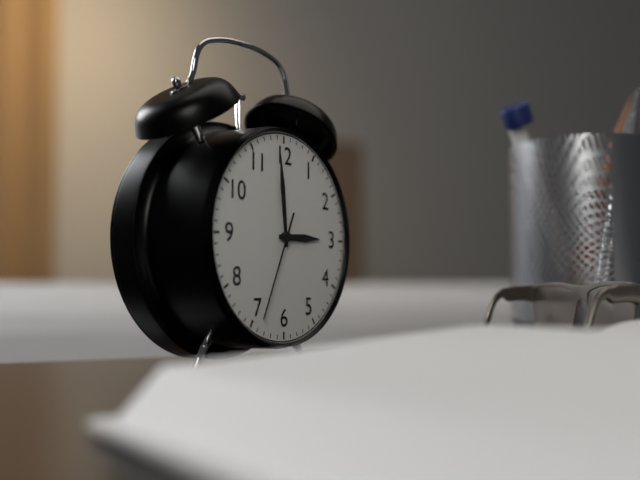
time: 2:59:34
